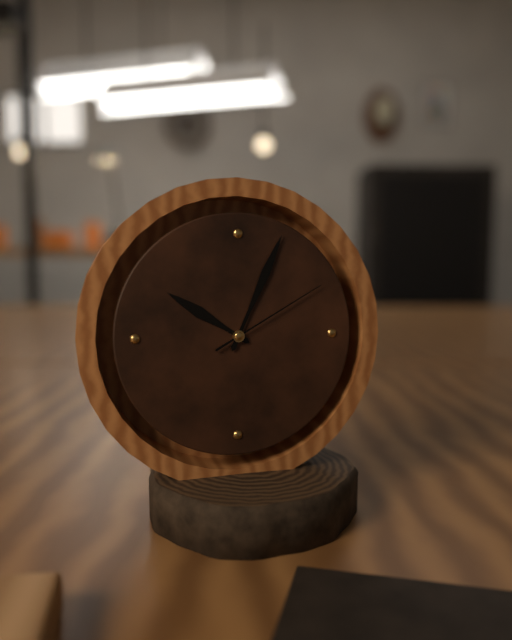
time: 10:04:10
